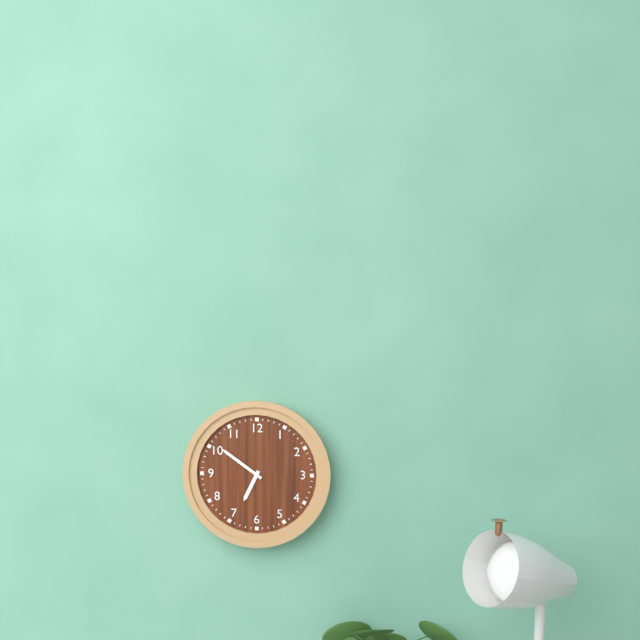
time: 6:51
